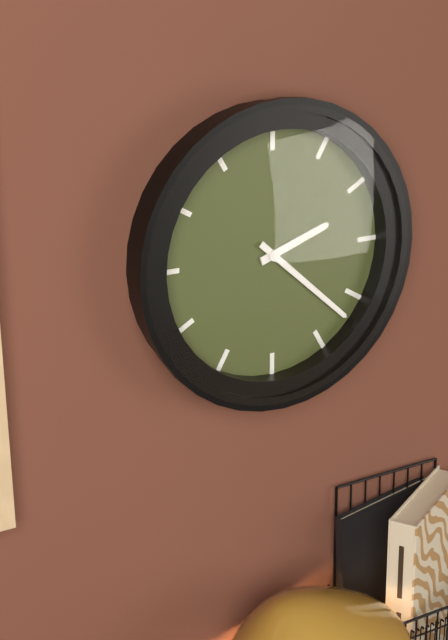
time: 2:22
